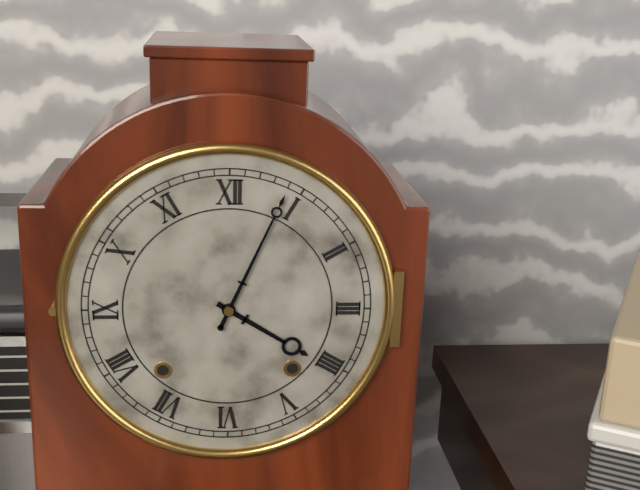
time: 4:04
